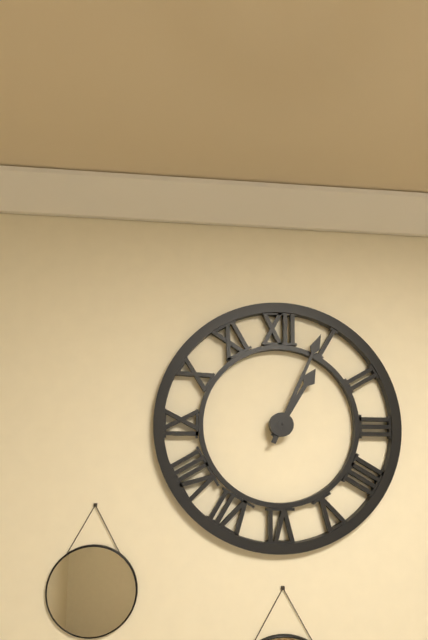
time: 1:04
